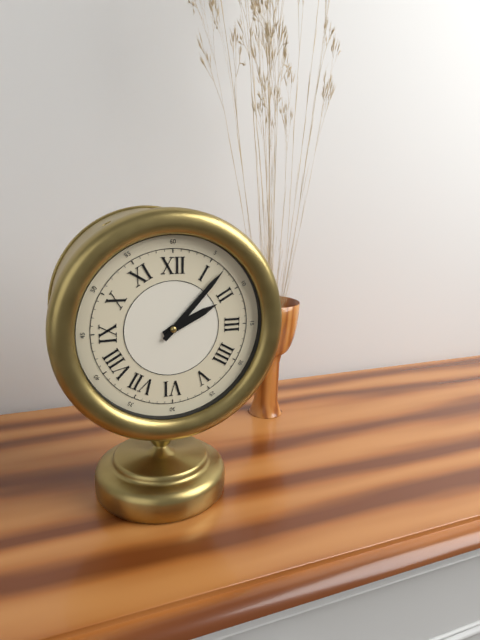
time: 2:07
